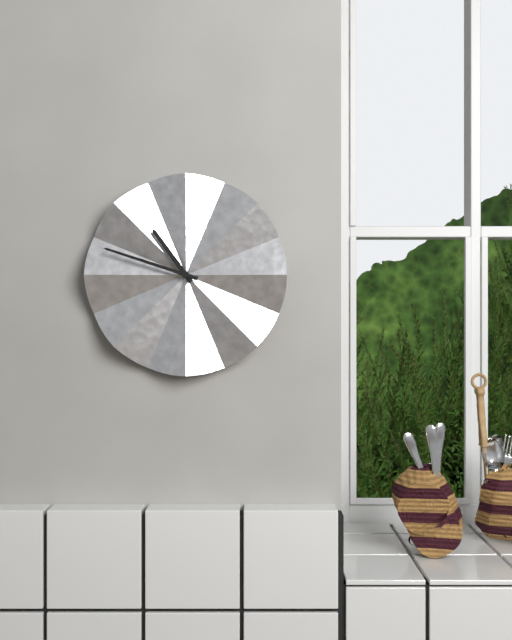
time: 10:48
